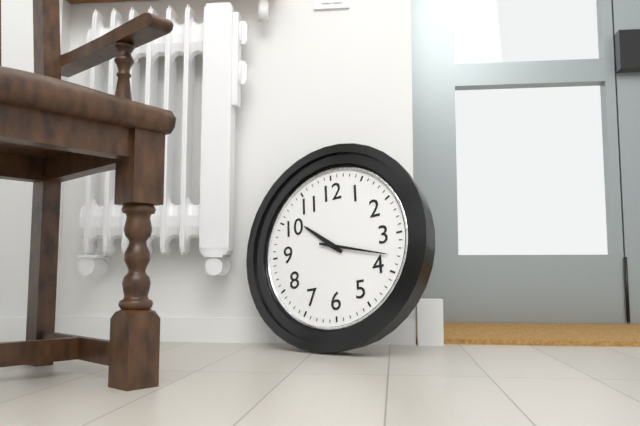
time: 10:18
